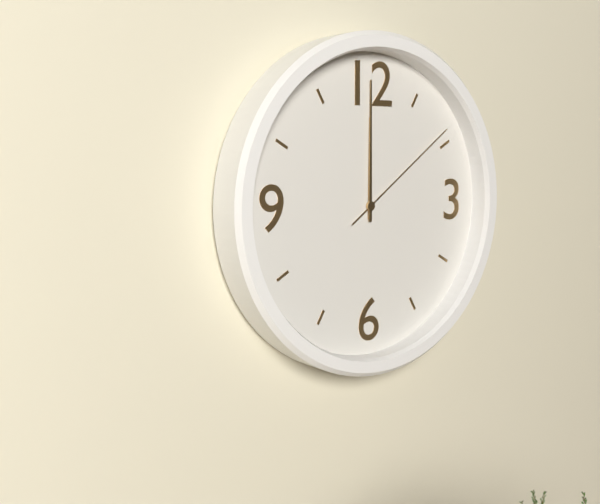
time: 12:00:09
